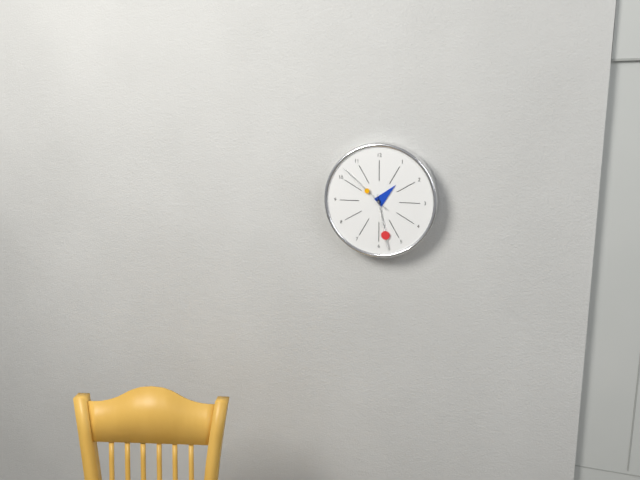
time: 1:28:52
